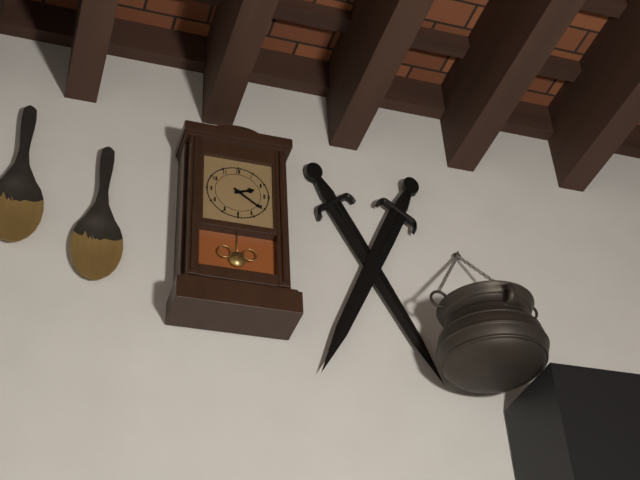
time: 2:21
